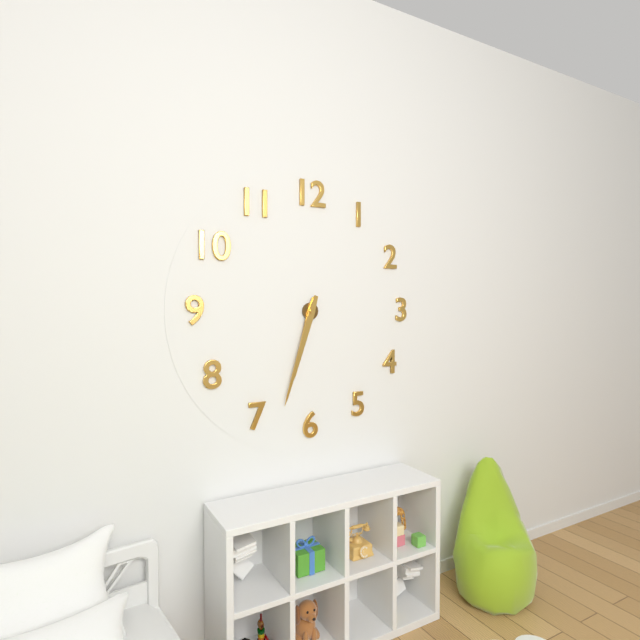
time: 6:33
